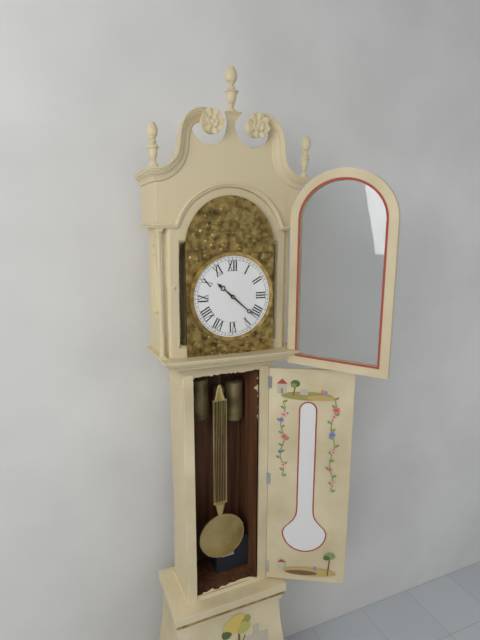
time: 10:22
